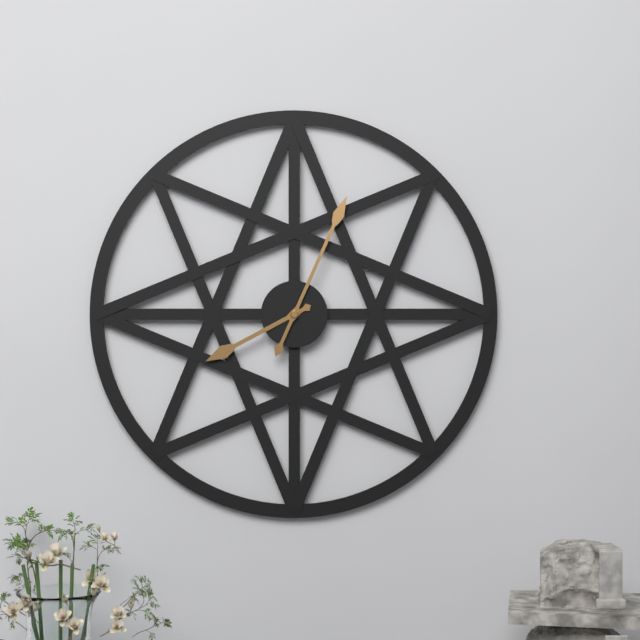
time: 8:04
